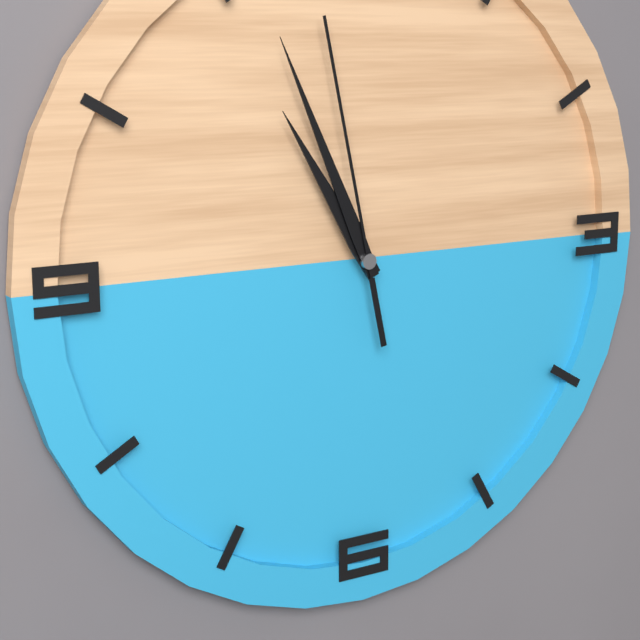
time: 10:56:58
